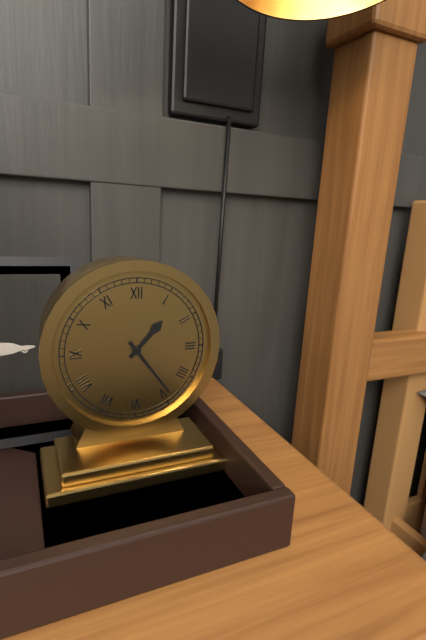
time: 1:24
